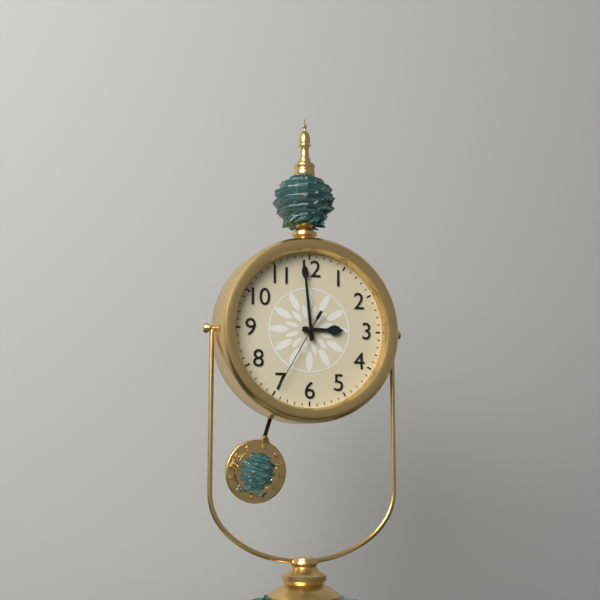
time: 2:59:35
